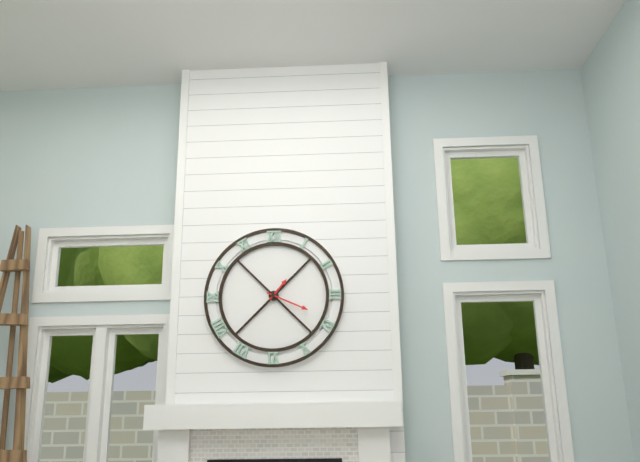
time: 1:19
